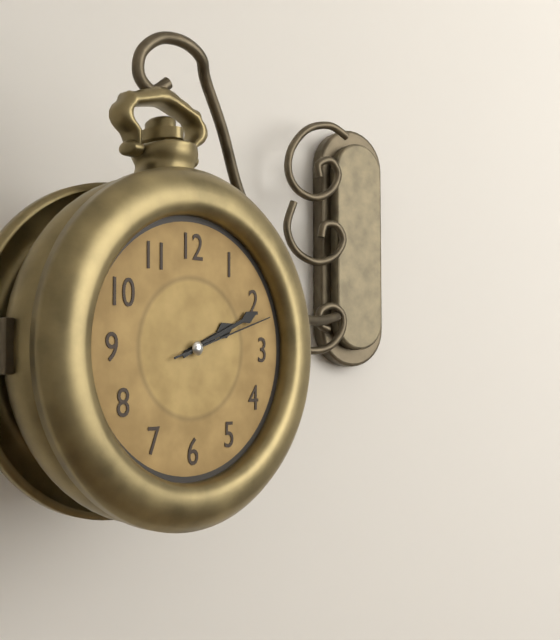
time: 2:11:12
